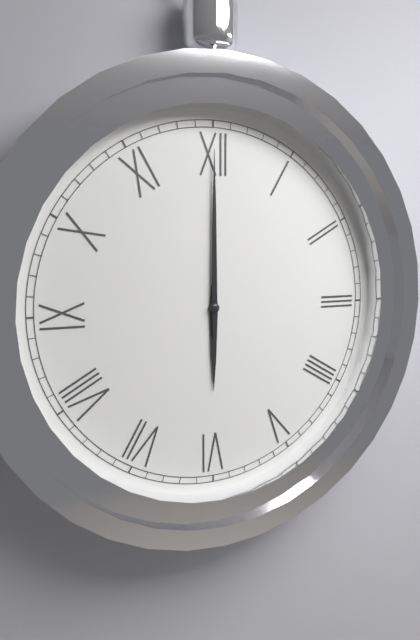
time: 6:00
